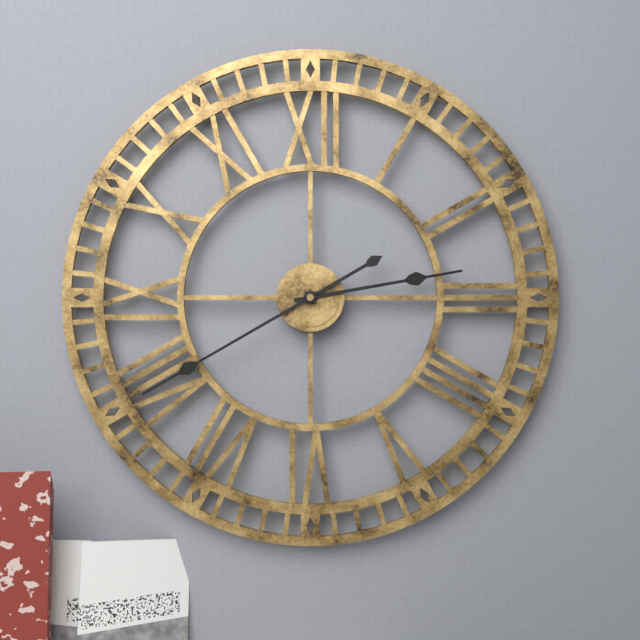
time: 2:40
